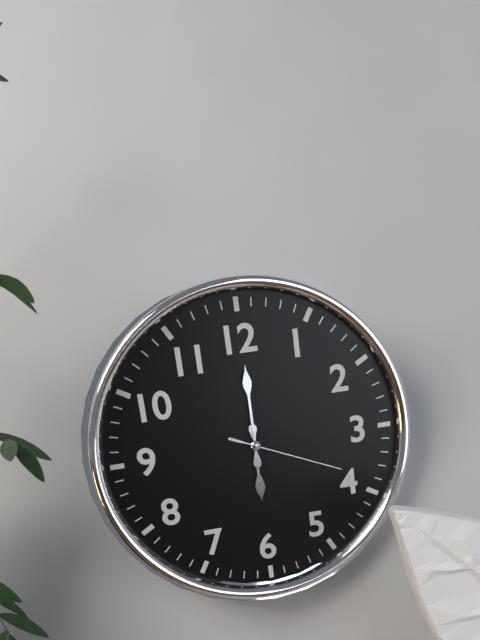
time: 6:00:19
